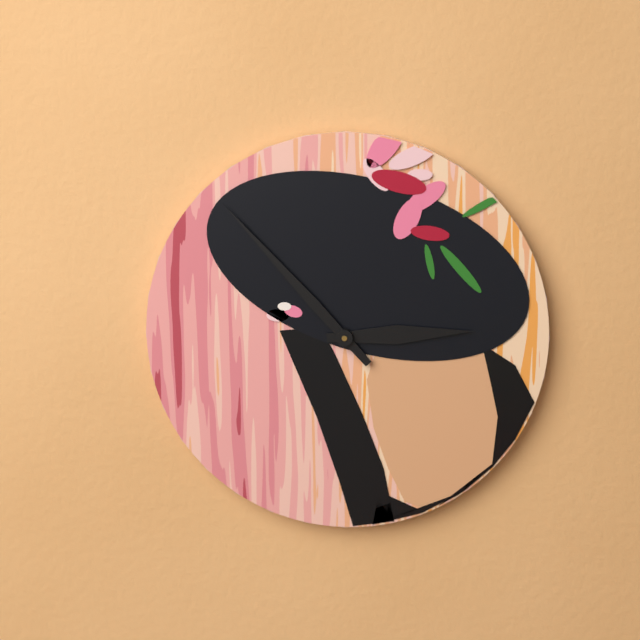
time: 2:53
